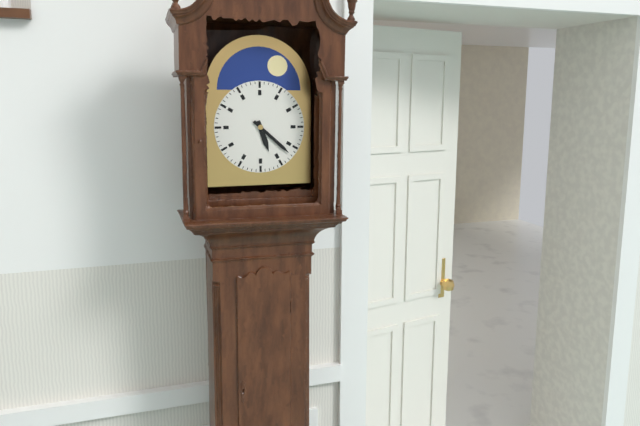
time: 5:22
